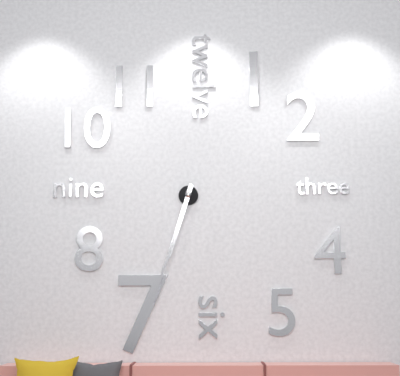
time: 6:33
